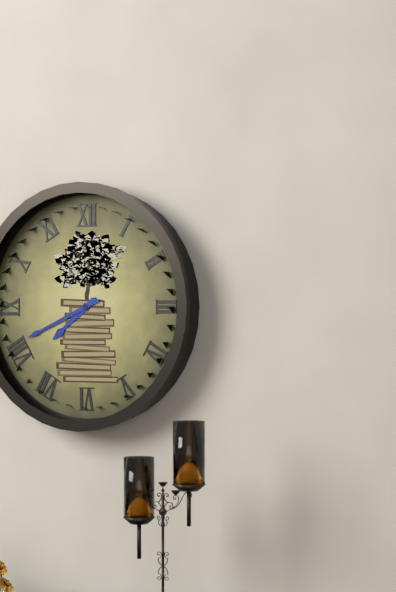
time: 7:41
